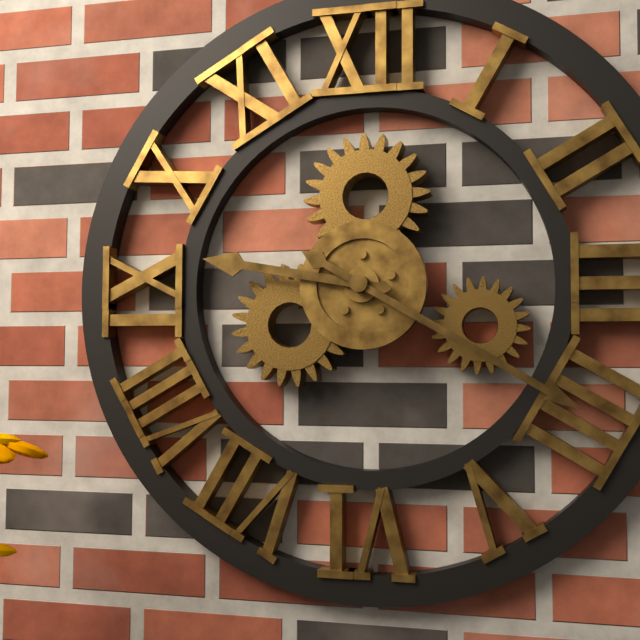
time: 9:20
